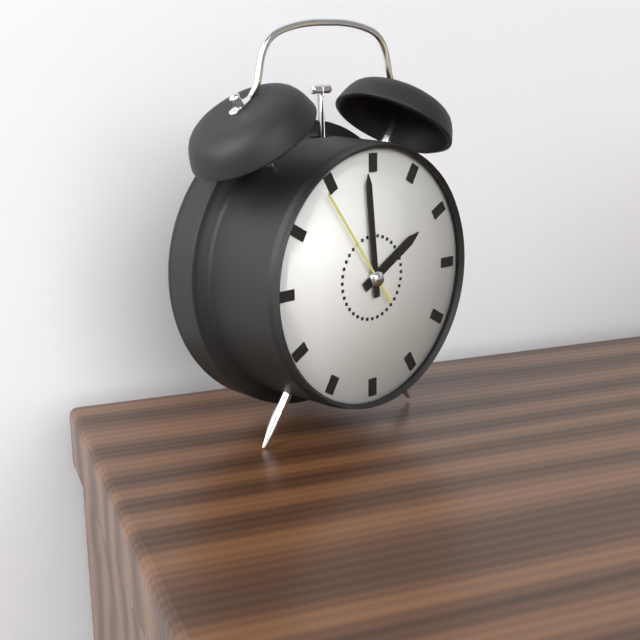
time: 1:59:54
